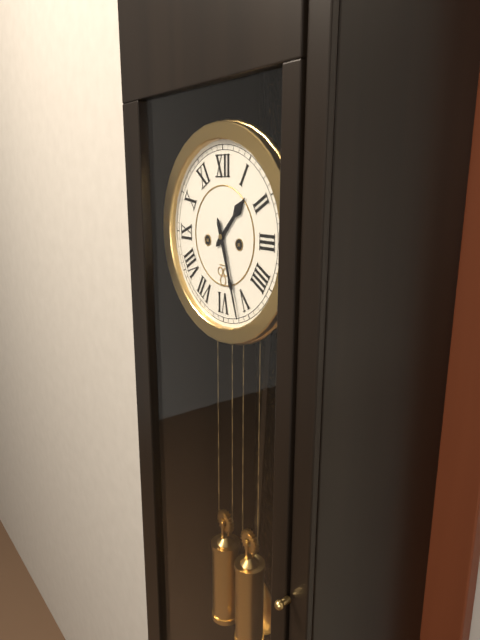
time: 1:27
